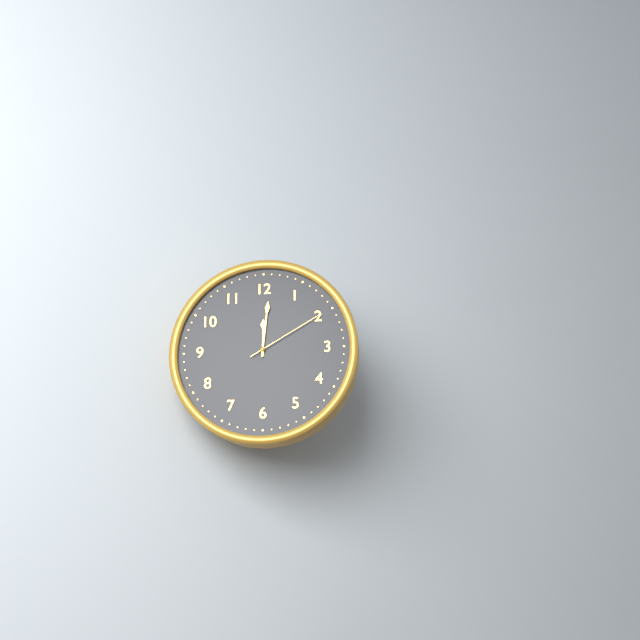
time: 12:01:10
